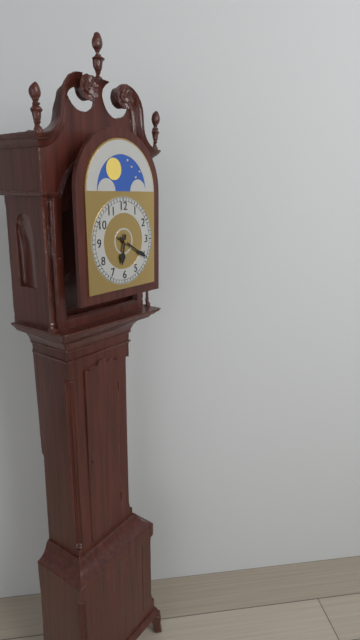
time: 6:20
